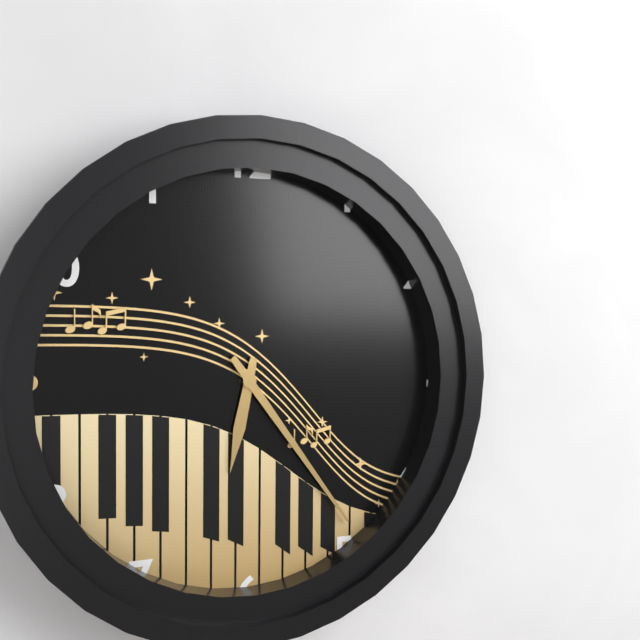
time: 6:24
